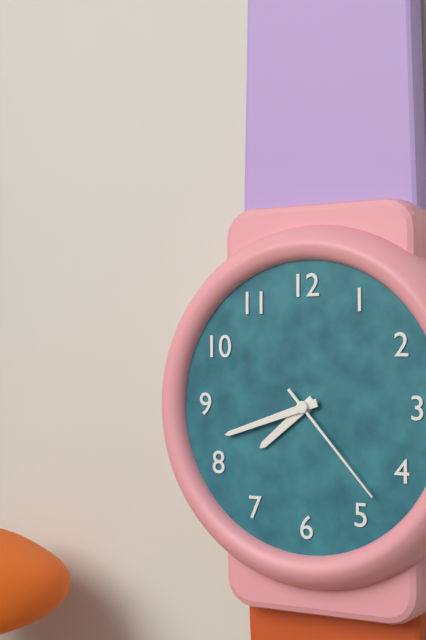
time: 7:42:23
